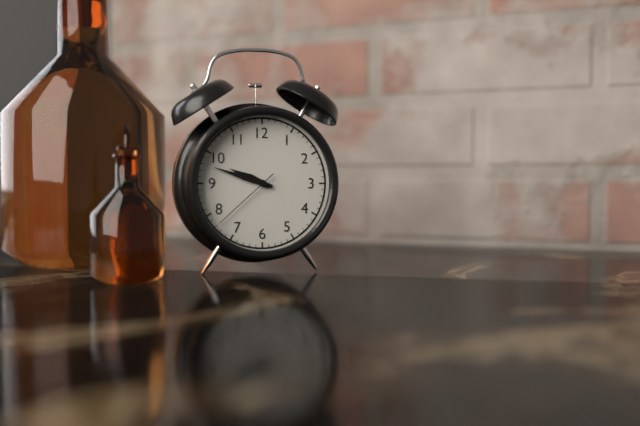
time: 9:48:38
